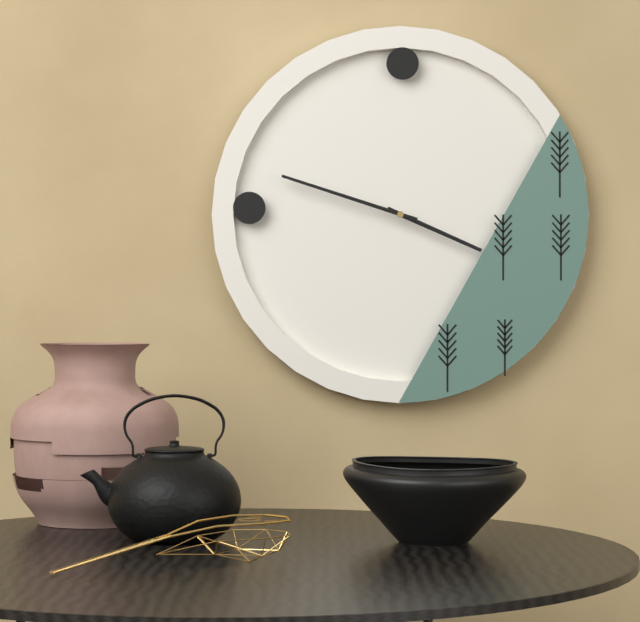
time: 3:48
